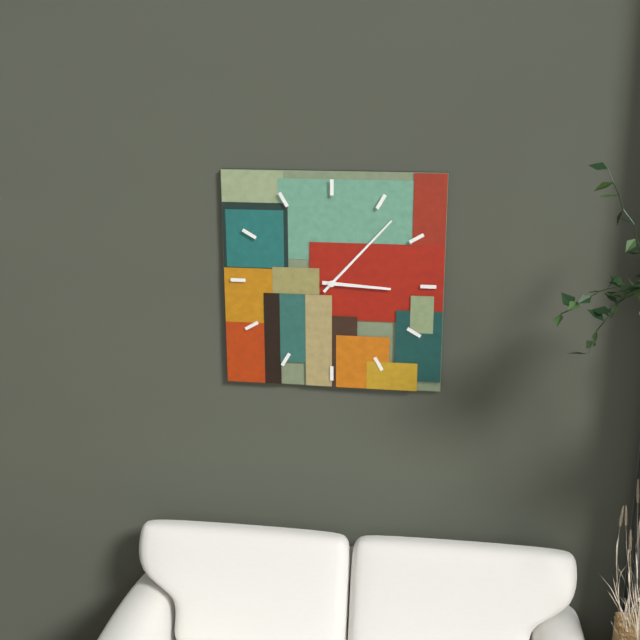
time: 3:07
